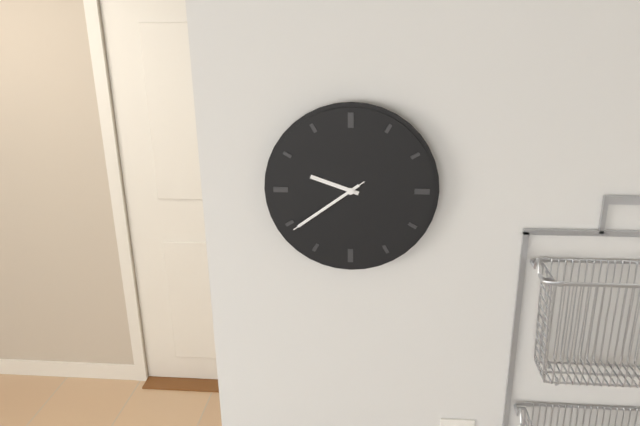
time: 9:39:39
